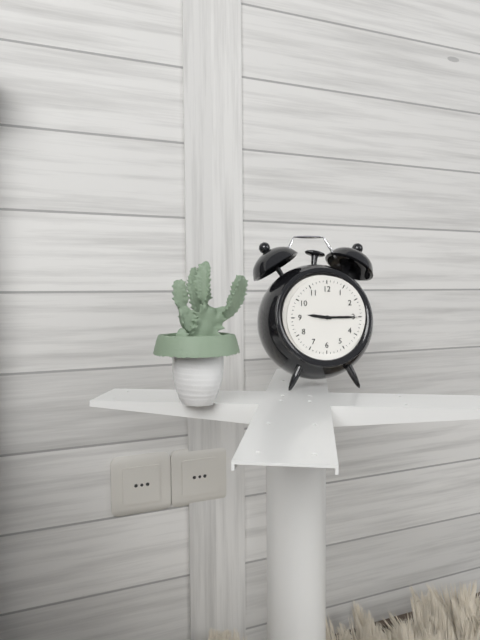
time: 9:15
